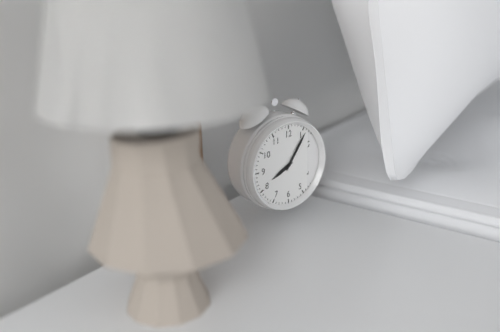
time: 8:06
